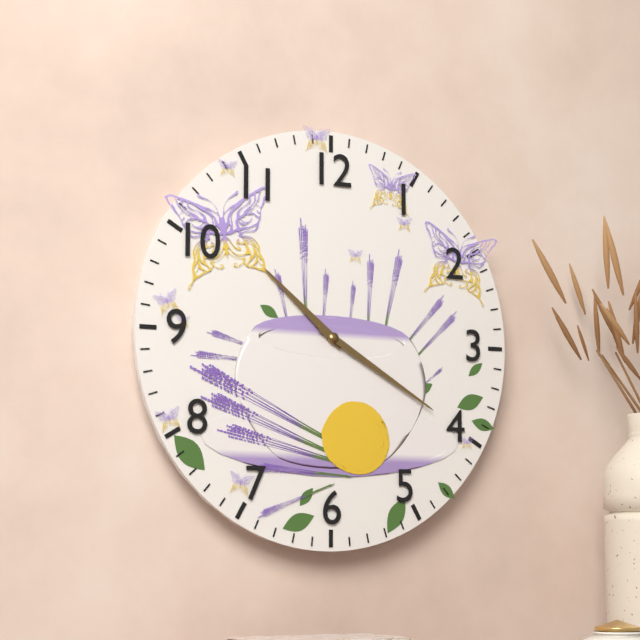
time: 10:20
